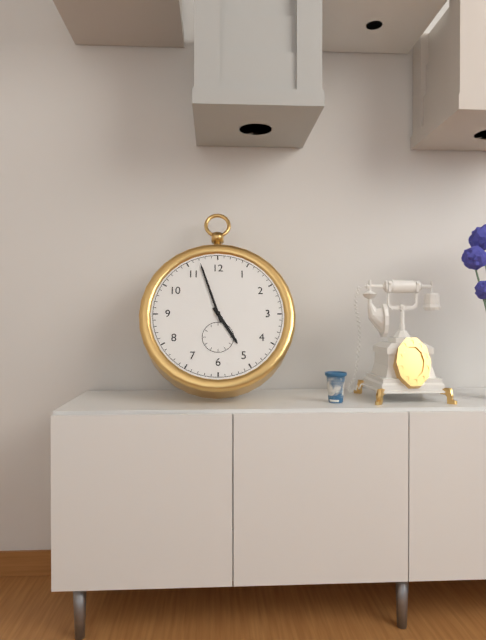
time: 4:57
